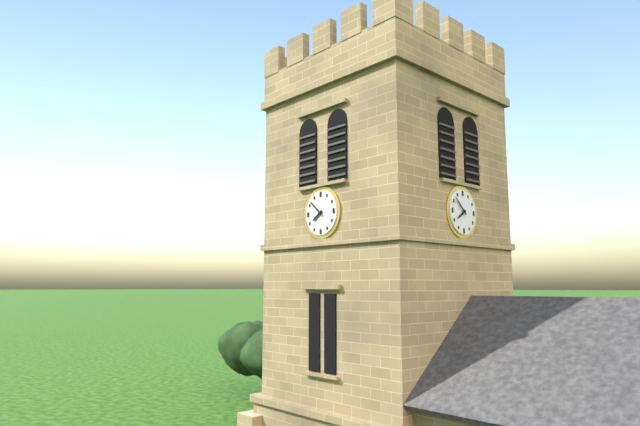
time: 7:52
